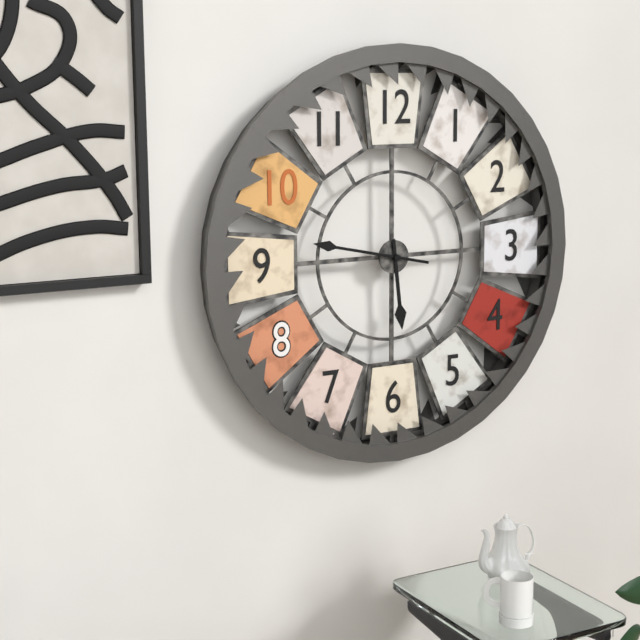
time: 5:47
